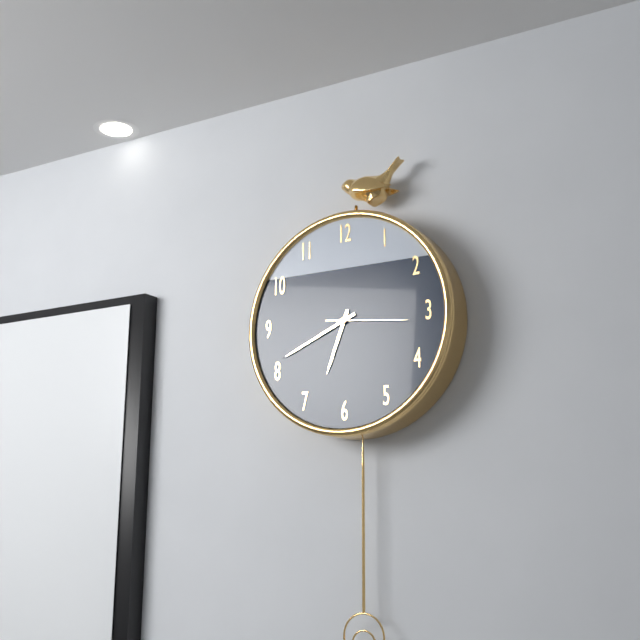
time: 6:41:16
